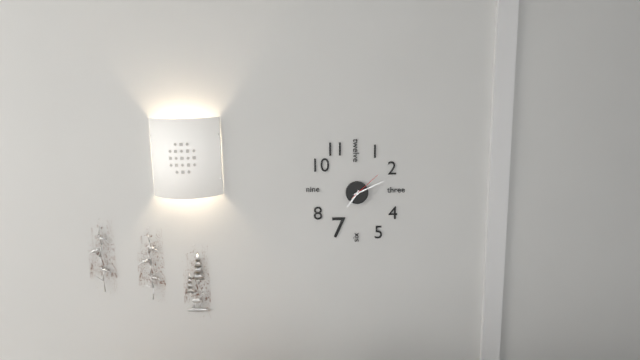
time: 7:11
